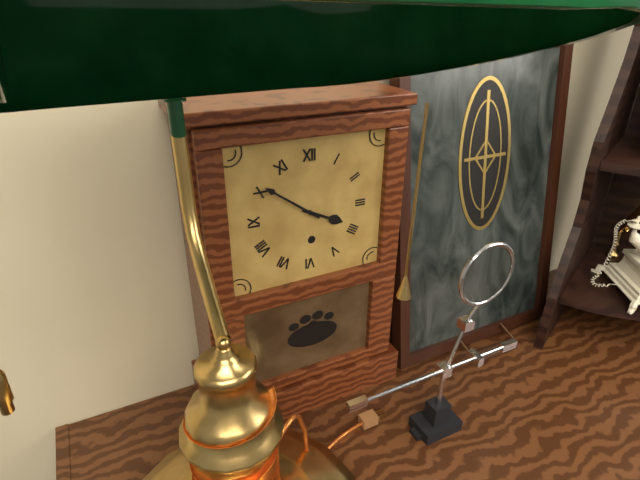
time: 3:51
